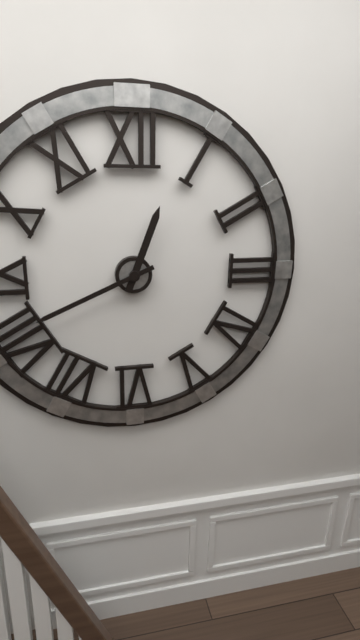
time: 12:41
